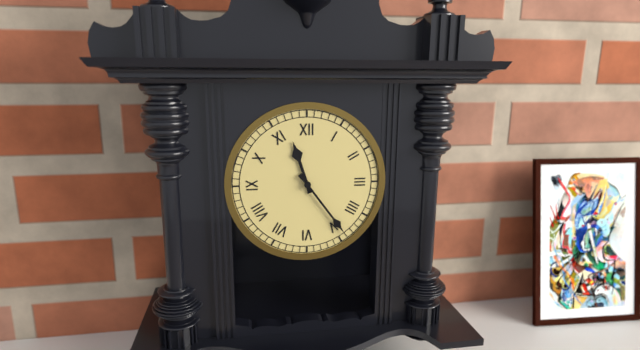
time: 11:24
